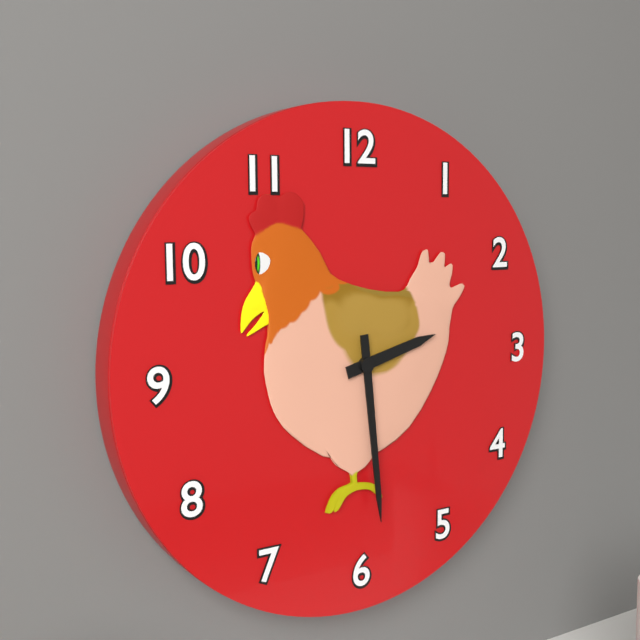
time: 2:29
